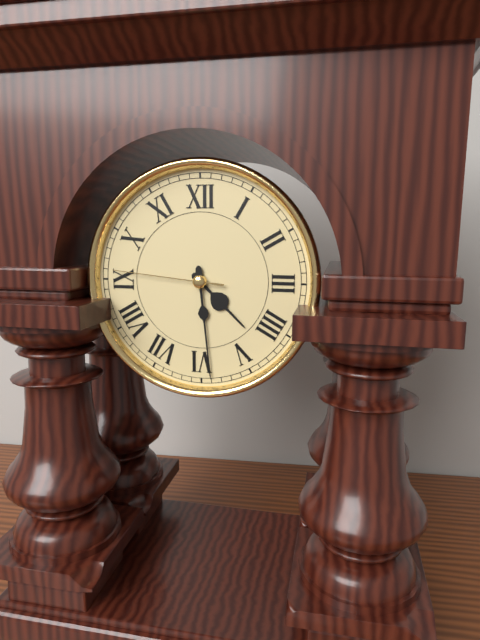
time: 4:29:46
